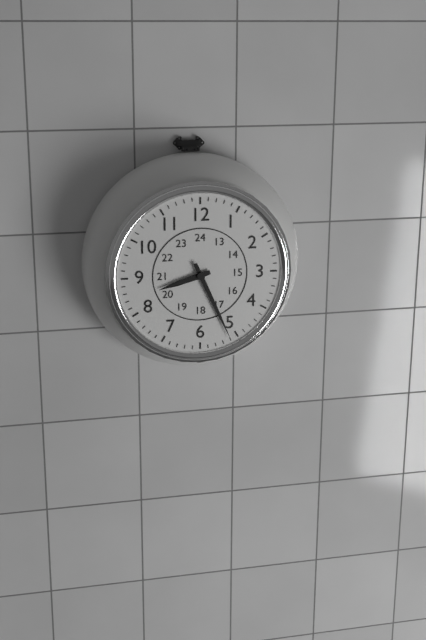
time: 8:26
